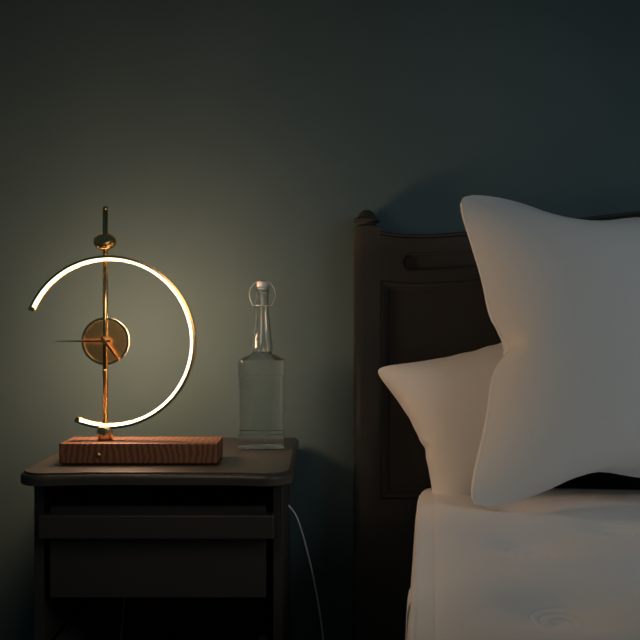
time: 4:45
